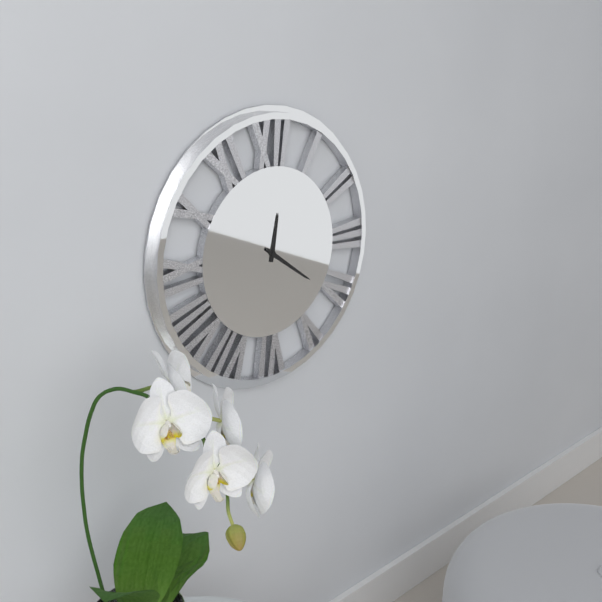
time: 12:21
